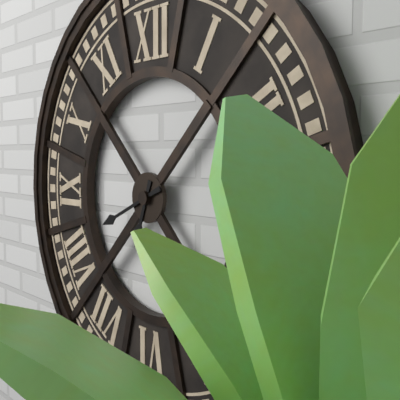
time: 6:41
